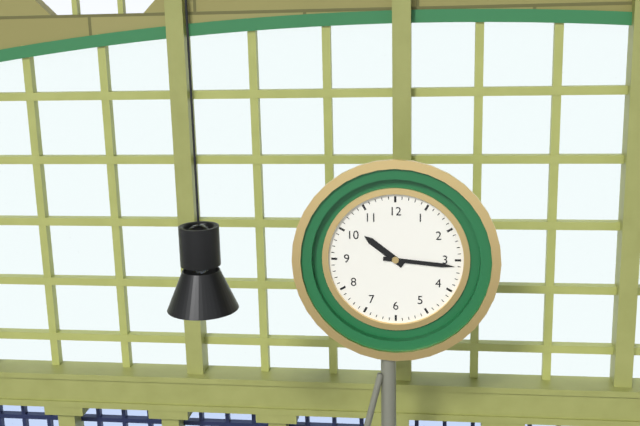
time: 10:16
